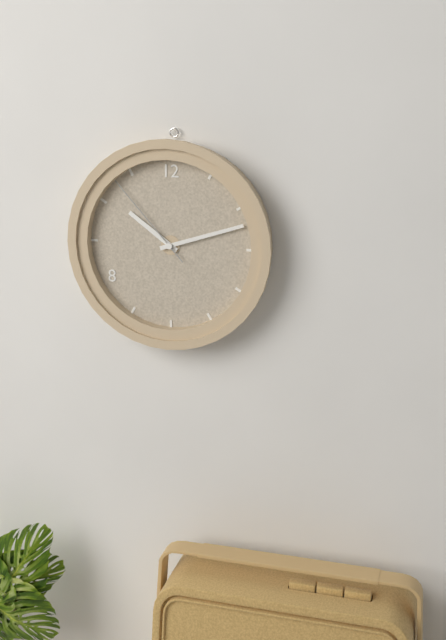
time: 10:12:53
